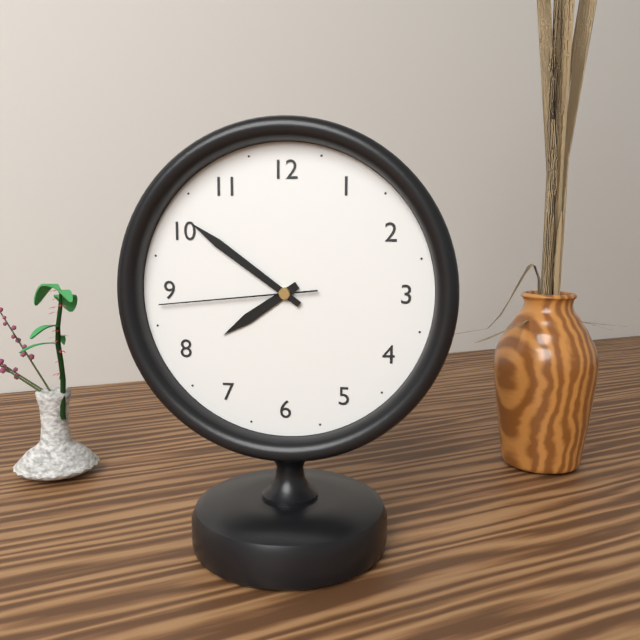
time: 7:51:44
